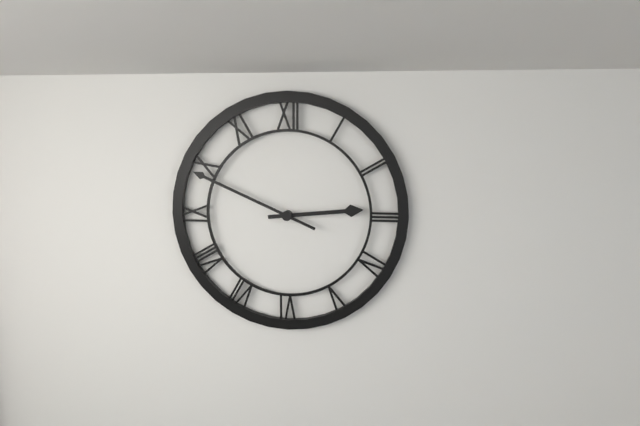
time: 2:49
